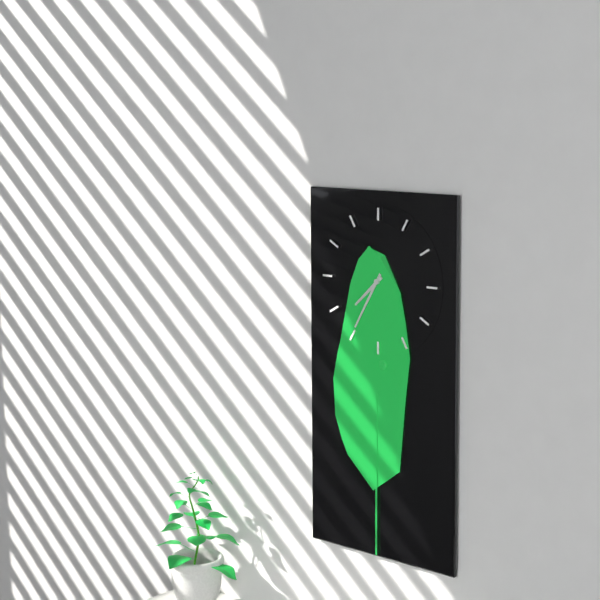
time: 7:35
